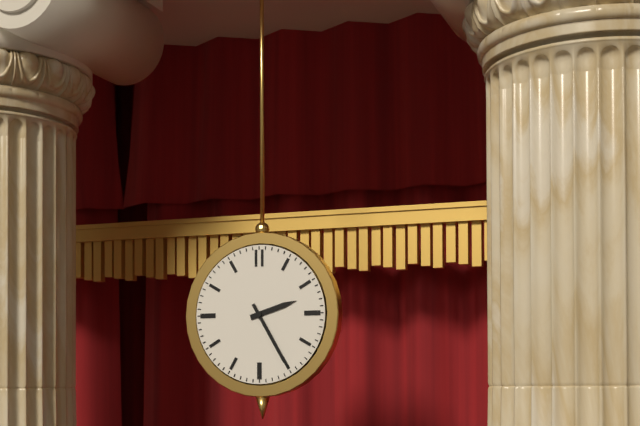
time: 2:25
